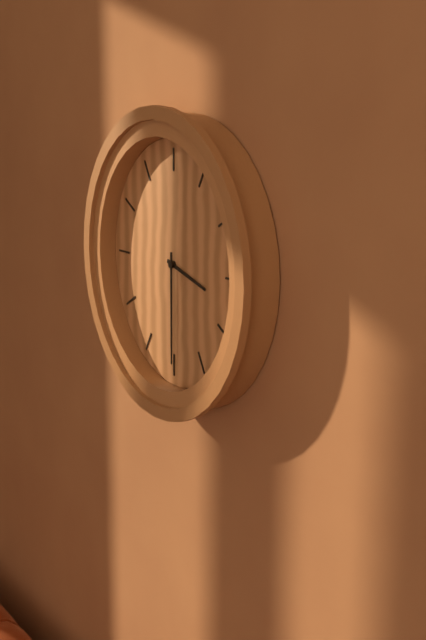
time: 3:30
